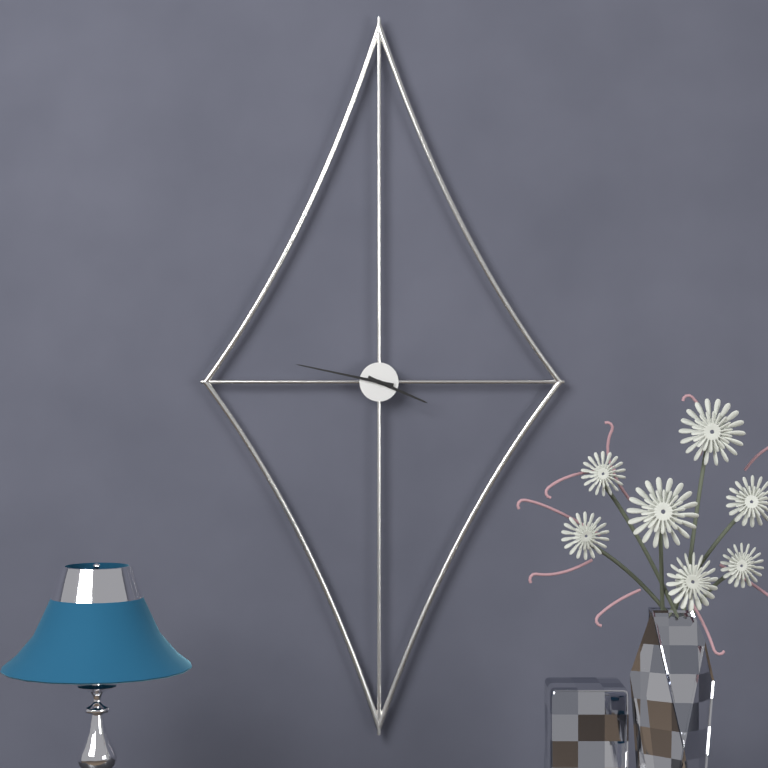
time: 3:47
